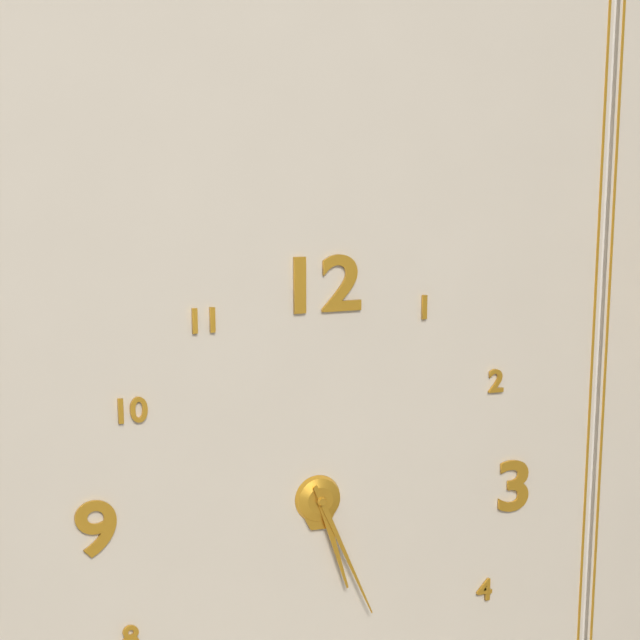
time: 5:26
